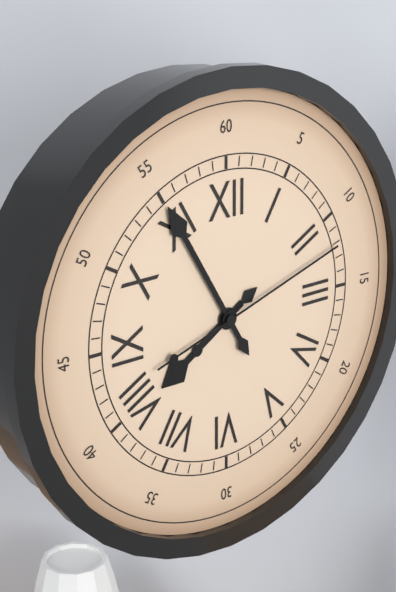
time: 7:55:12
